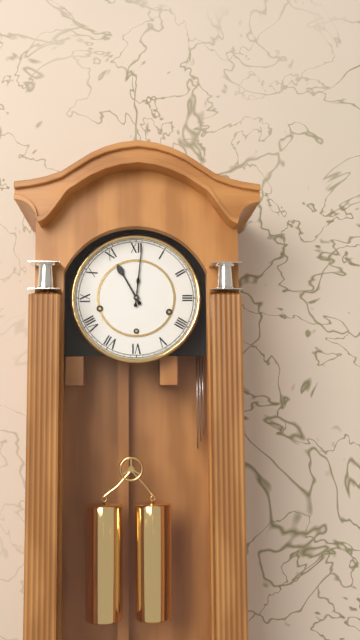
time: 11:01
